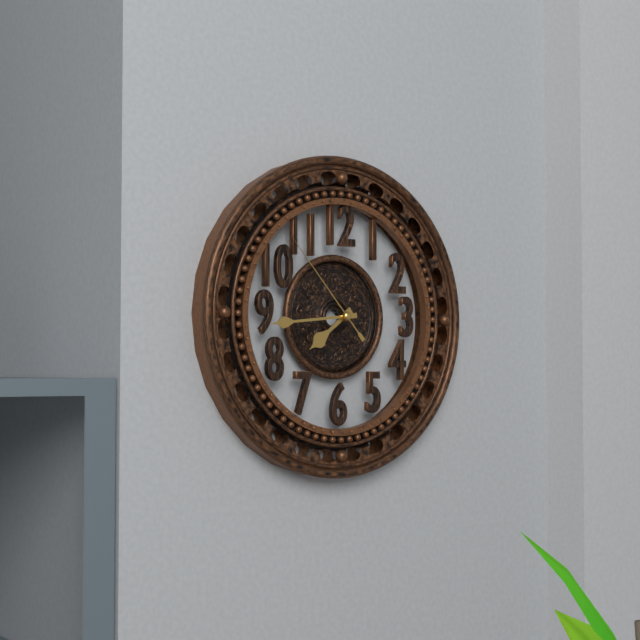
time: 7:44:53
